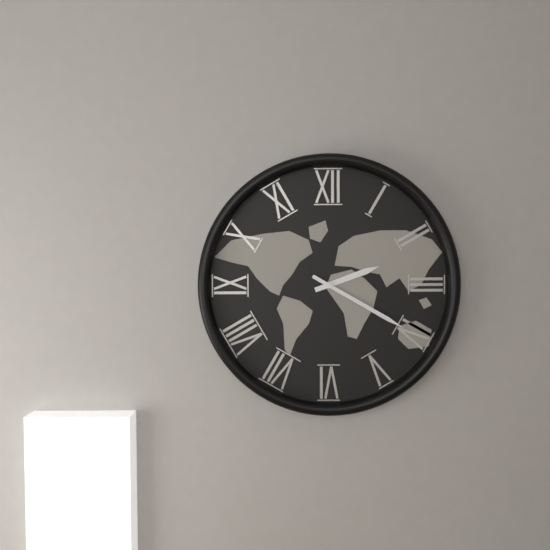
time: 2:20
